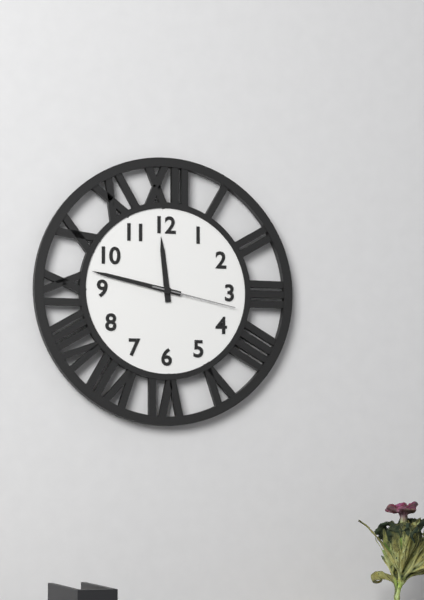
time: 11:47:17
